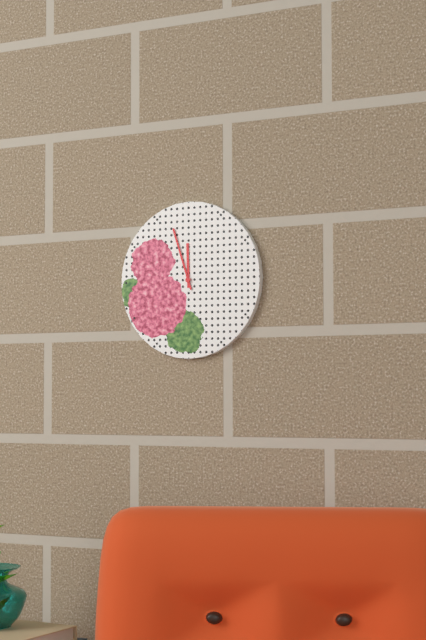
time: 11:57
